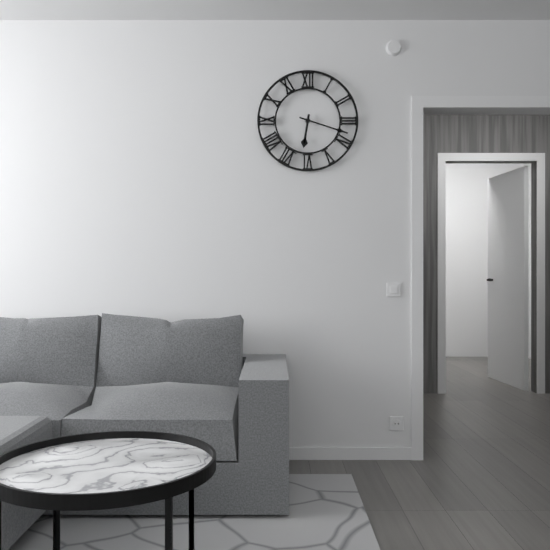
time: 6:18
